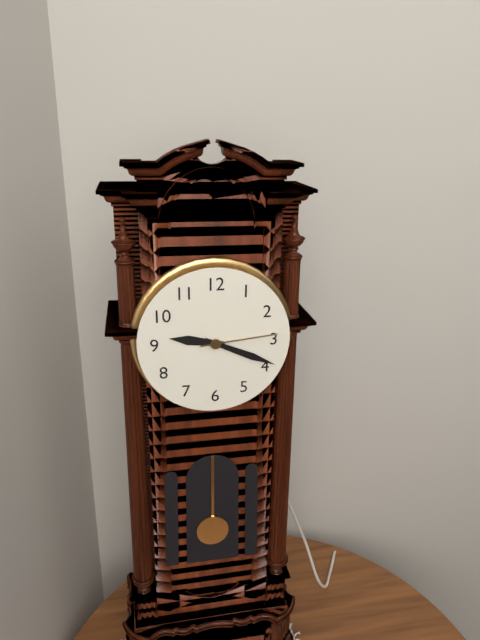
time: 9:19:14
